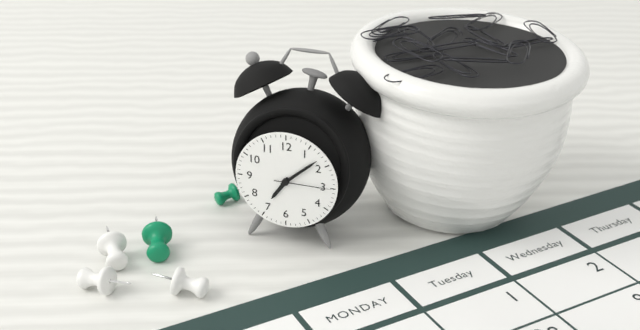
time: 7:08:15
